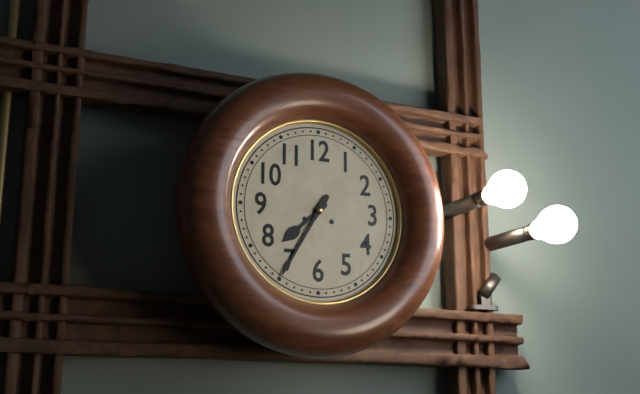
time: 7:35
